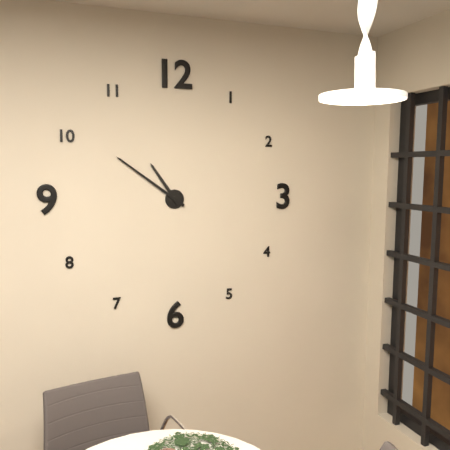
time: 10:51
